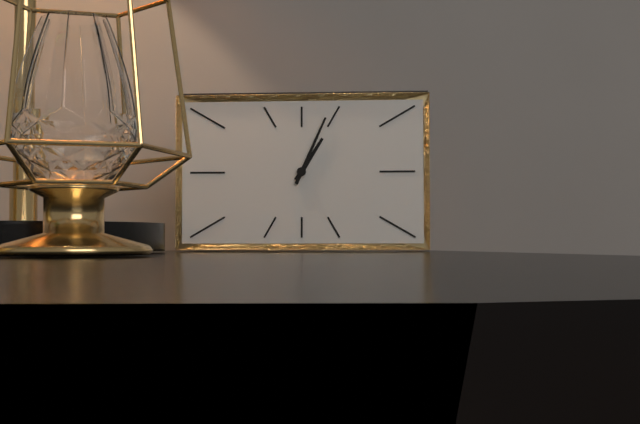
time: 1:04
